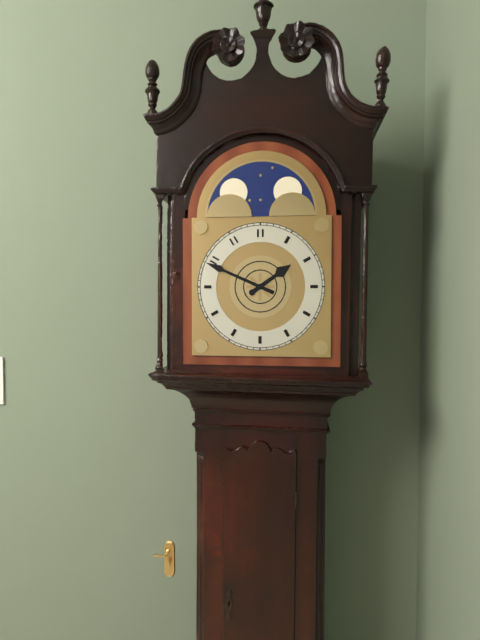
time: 1:49
